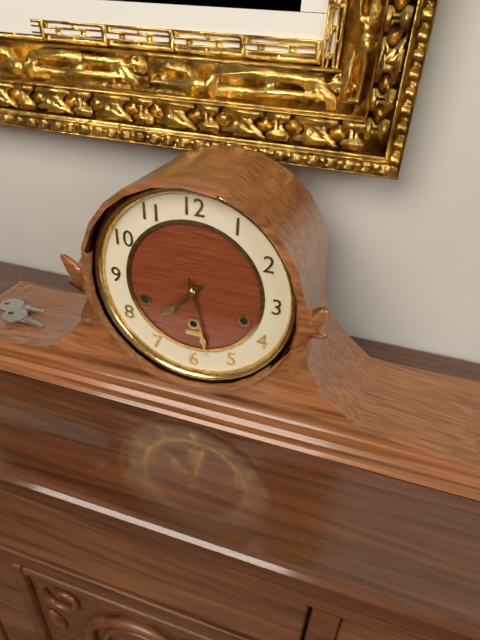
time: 7:28
